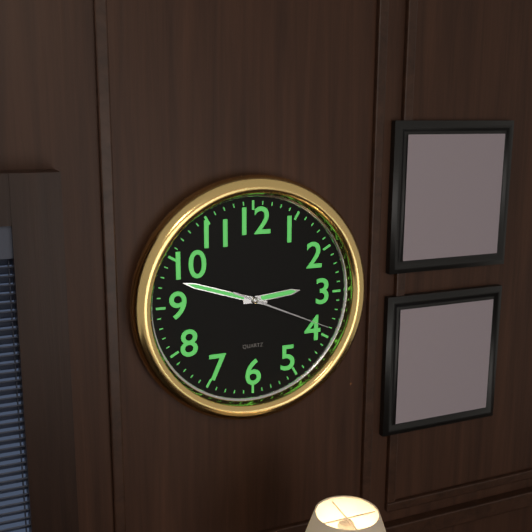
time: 2:48:19
